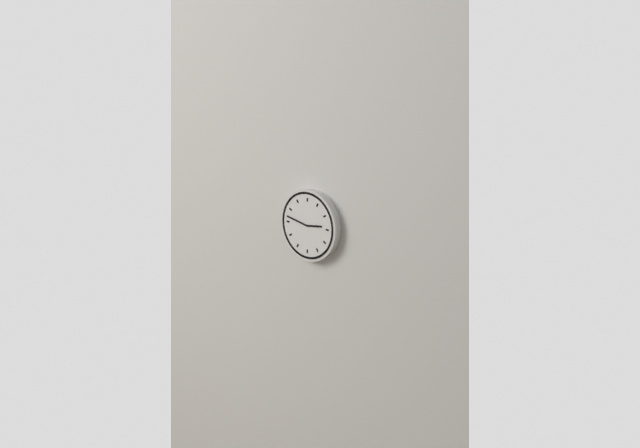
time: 2:47
